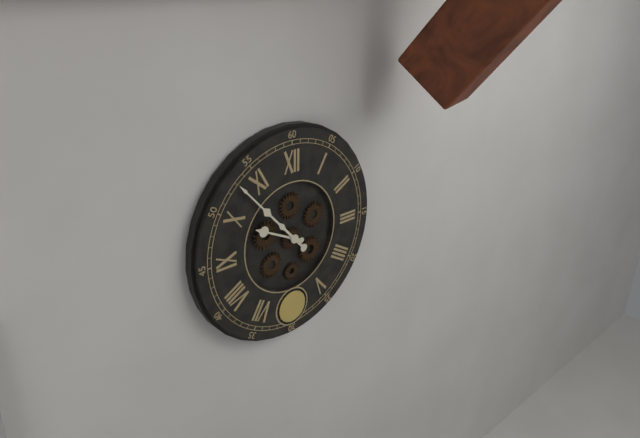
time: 9:53
